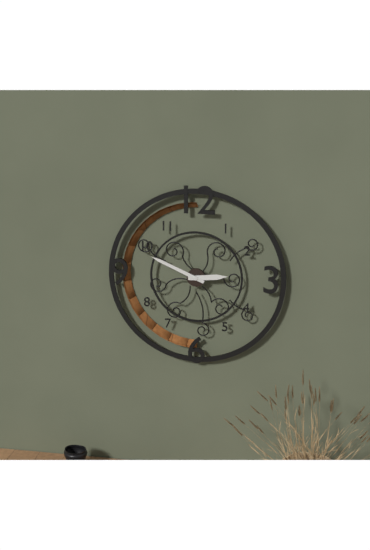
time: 2:49
